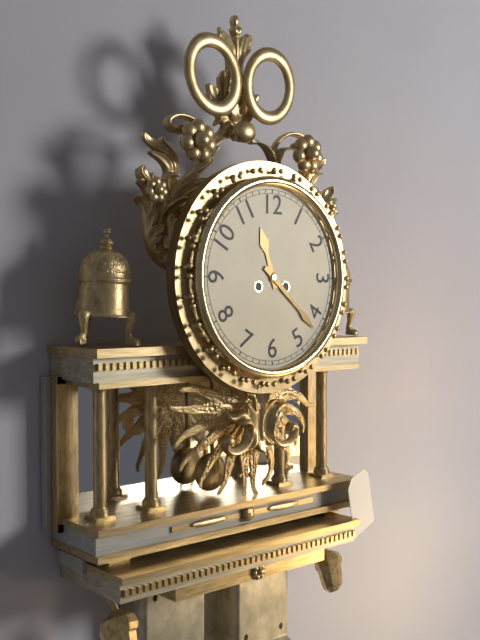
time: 11:22
